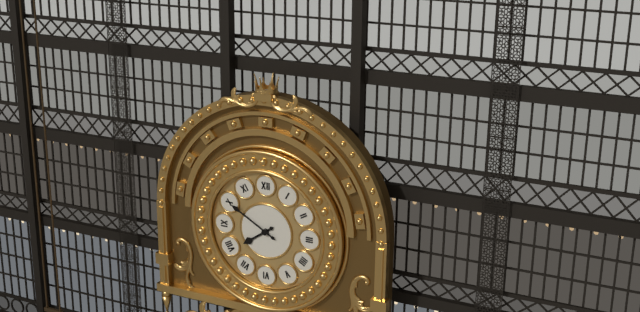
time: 7:50
